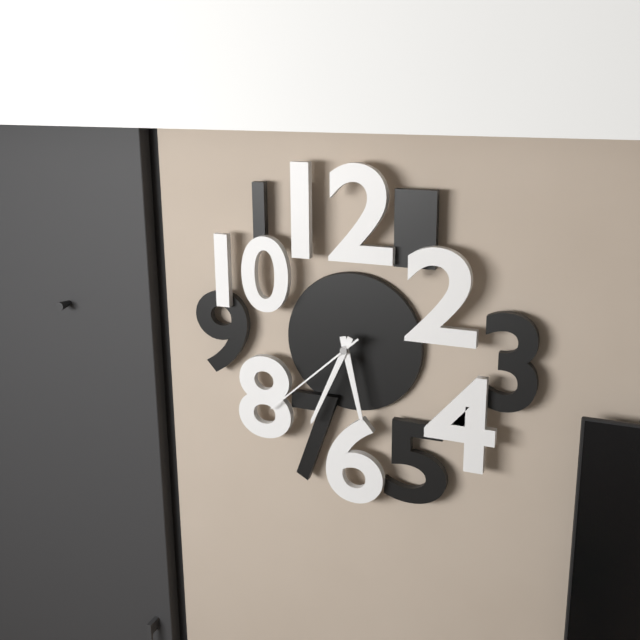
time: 5:34:38
